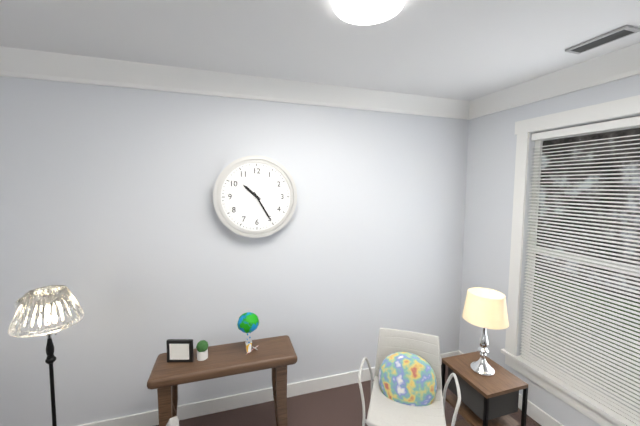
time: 10:25
